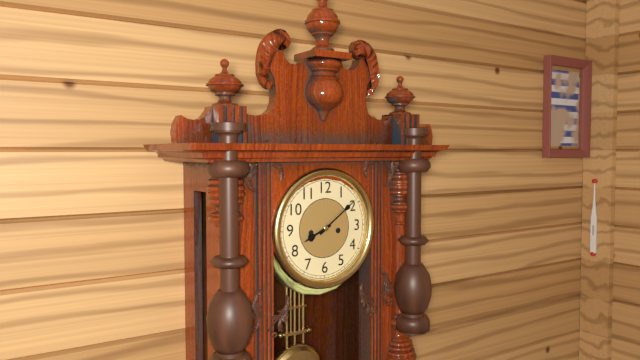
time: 8:09
